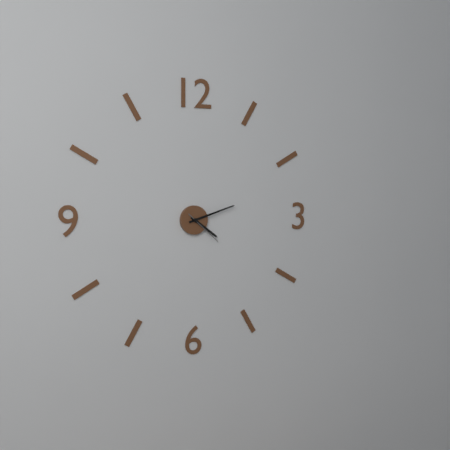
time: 4:12
